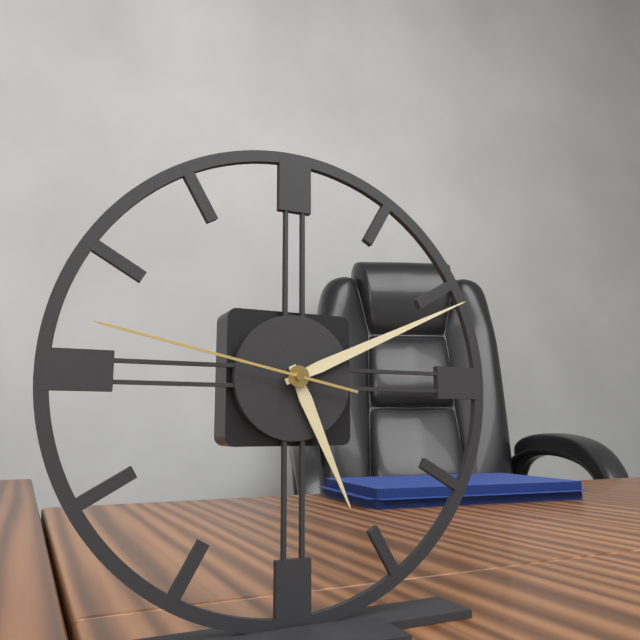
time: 5:11:47
